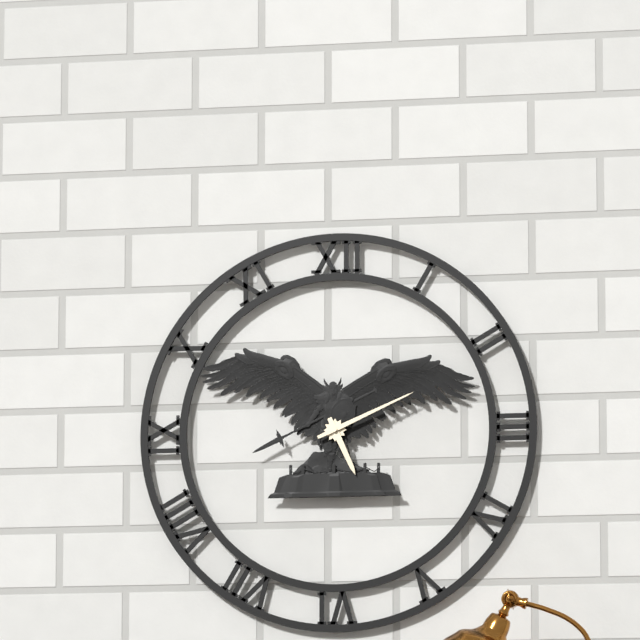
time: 5:11
